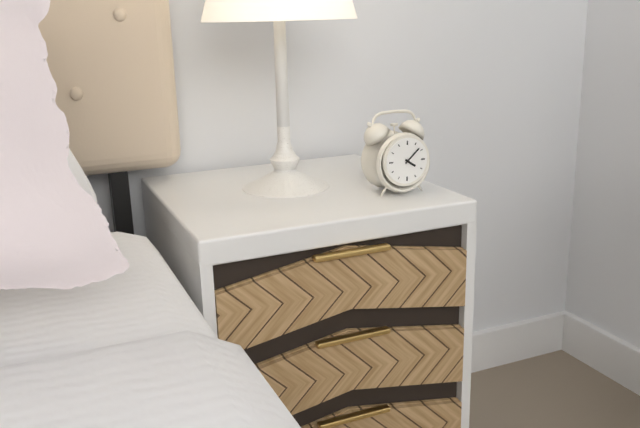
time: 4:08
